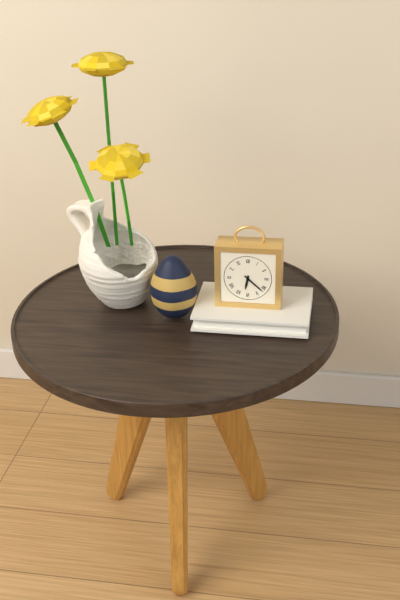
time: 6:22
